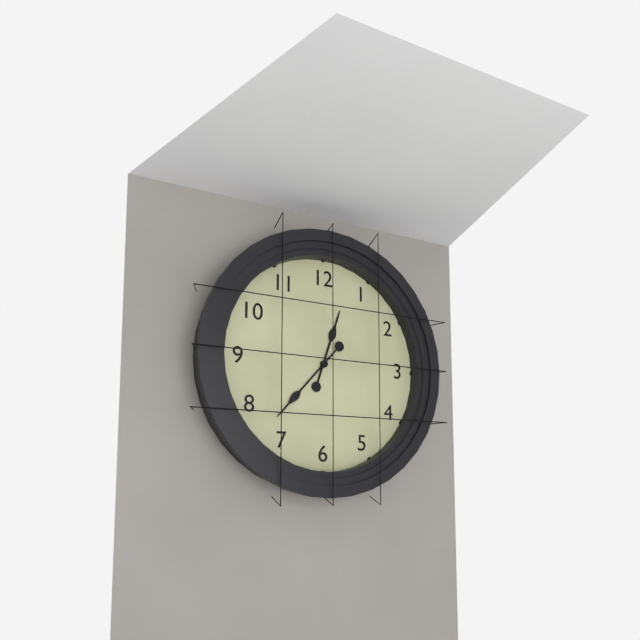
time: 12:37
